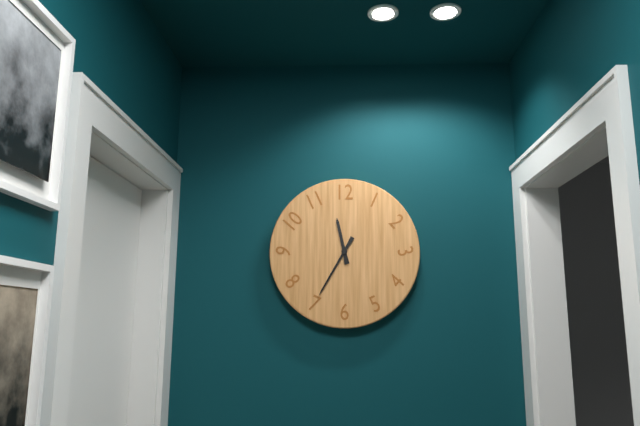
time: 11:35
